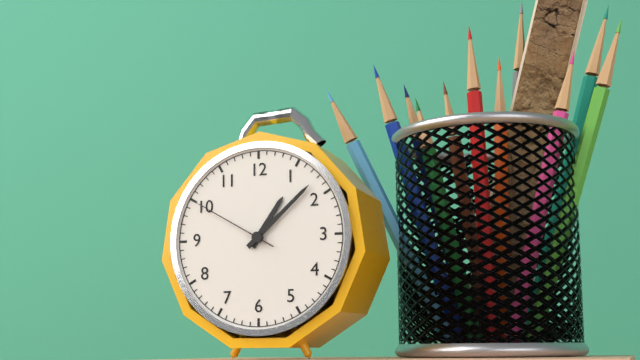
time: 1:08:50
